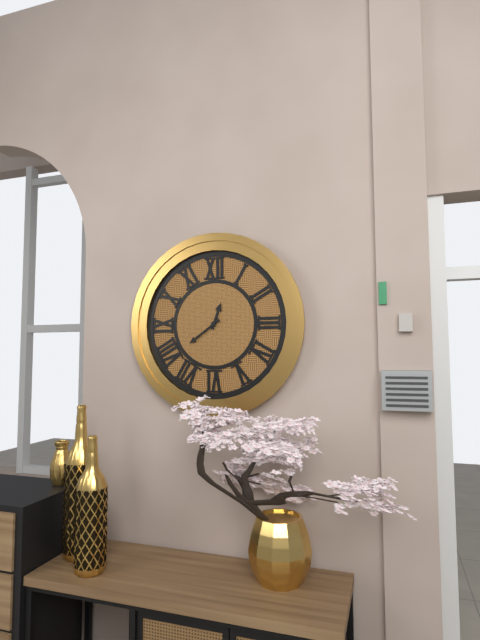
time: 12:39
